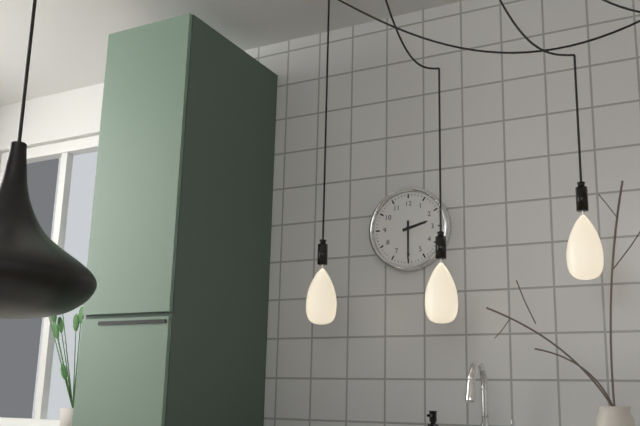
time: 2:30
